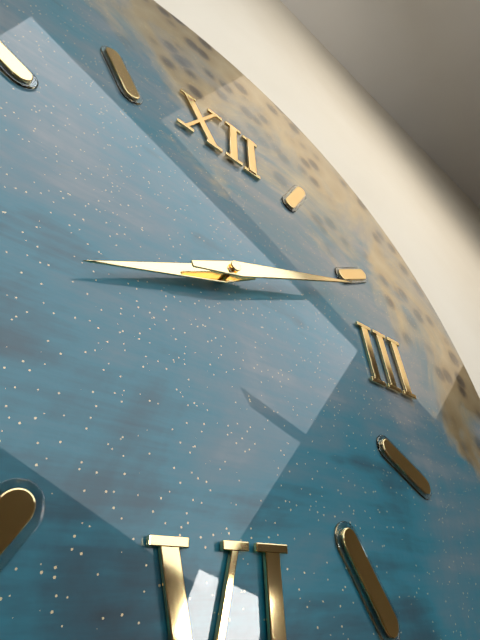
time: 8:11
